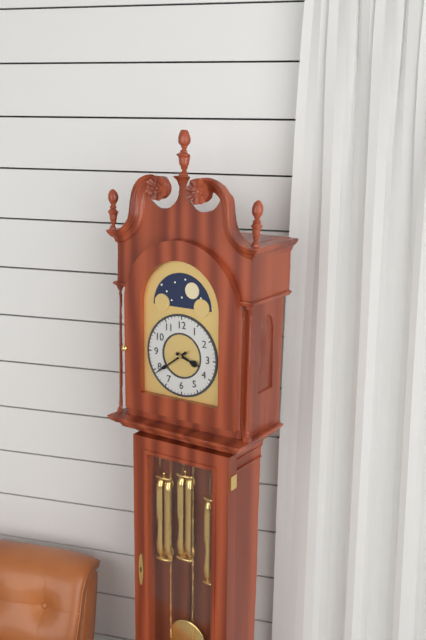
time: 3:39
